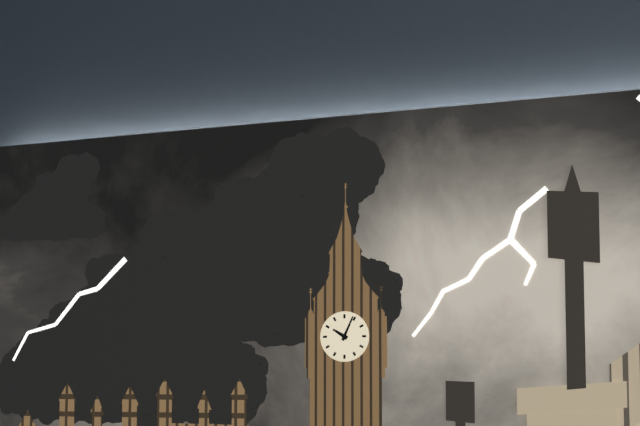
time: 10:04
